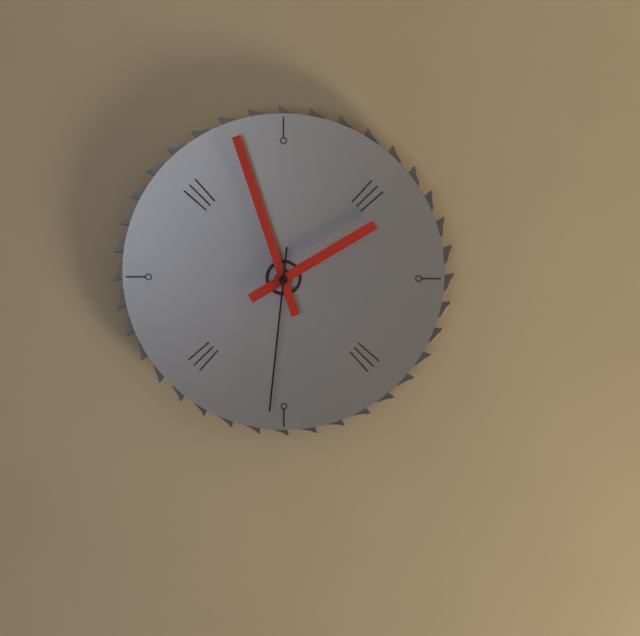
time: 1:57:31
